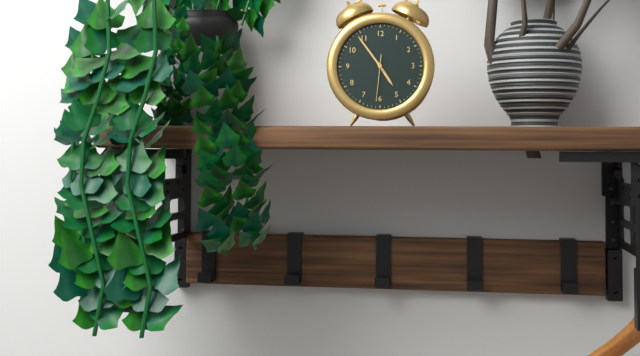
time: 4:54
